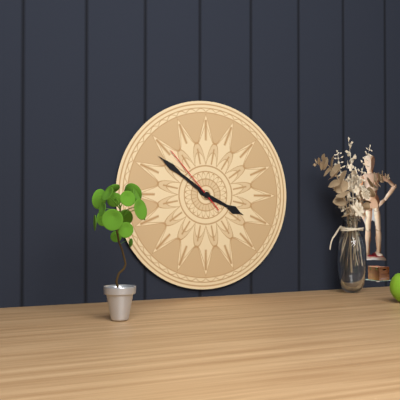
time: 3:51:53
